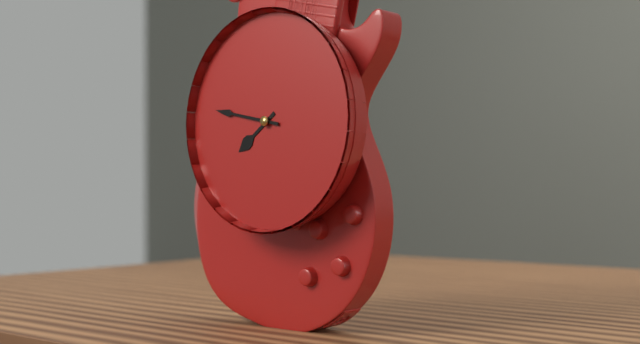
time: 7:47
